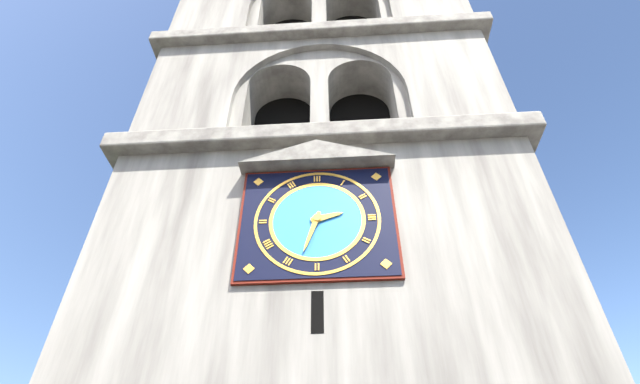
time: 2:33
